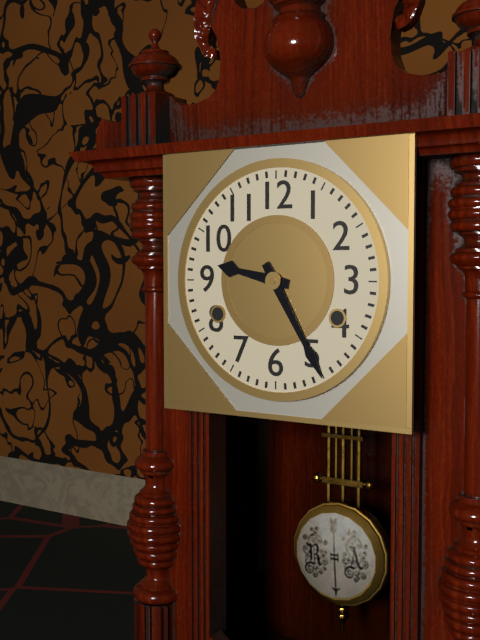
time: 9:25
